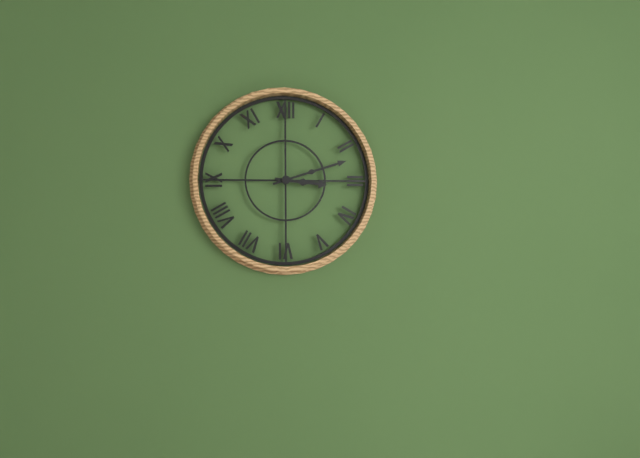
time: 3:12
